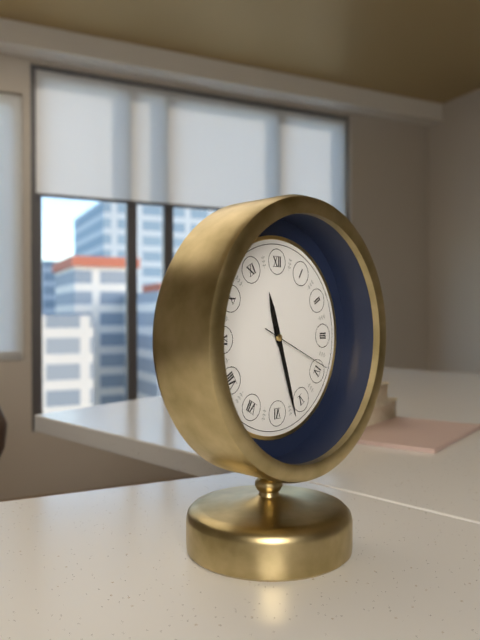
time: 11:27:19
